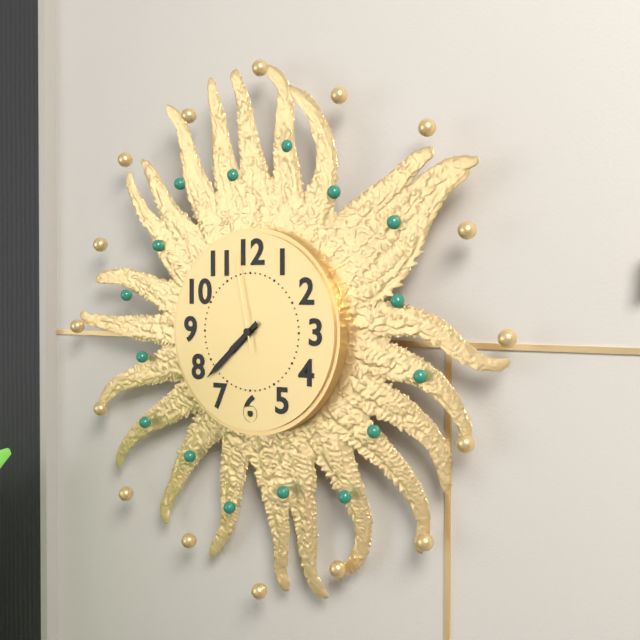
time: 7:38:58
